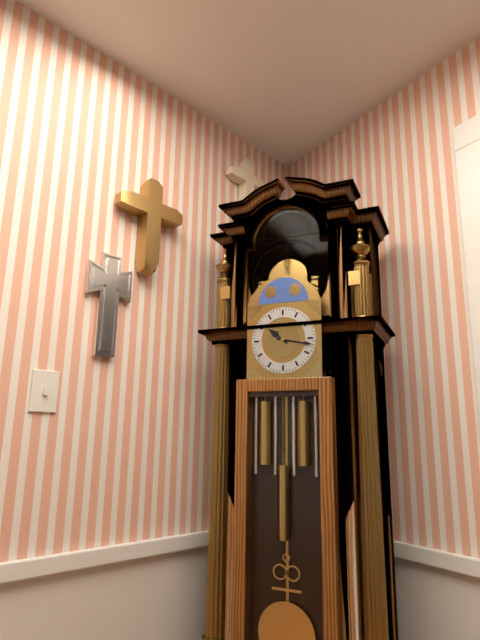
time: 10:17
